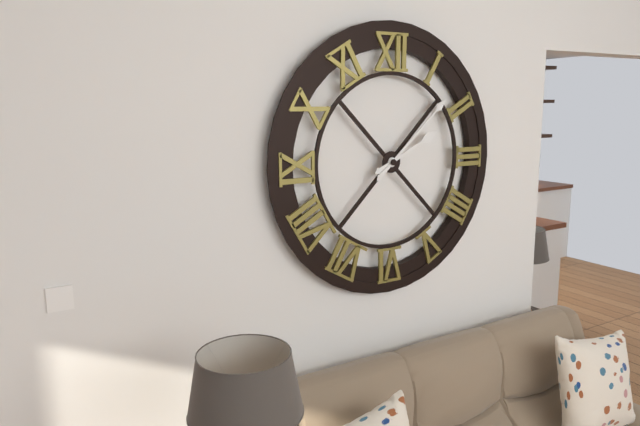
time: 2:08
